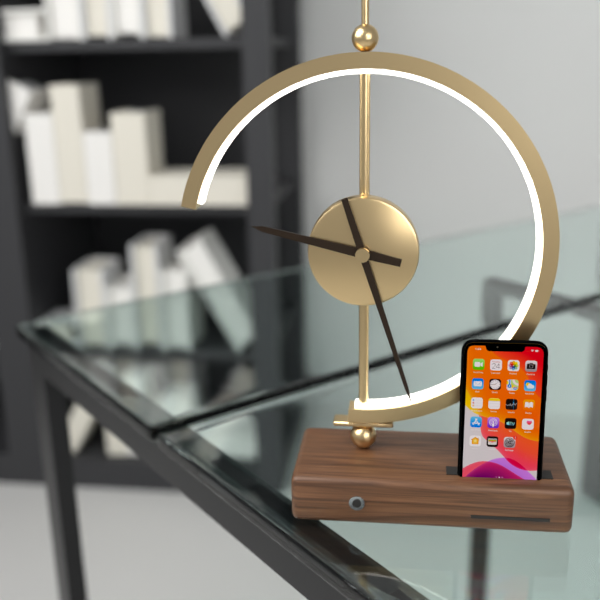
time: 9:27
